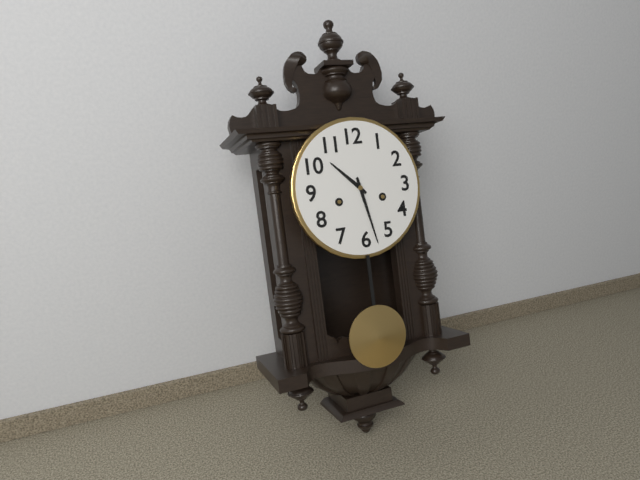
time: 10:28
